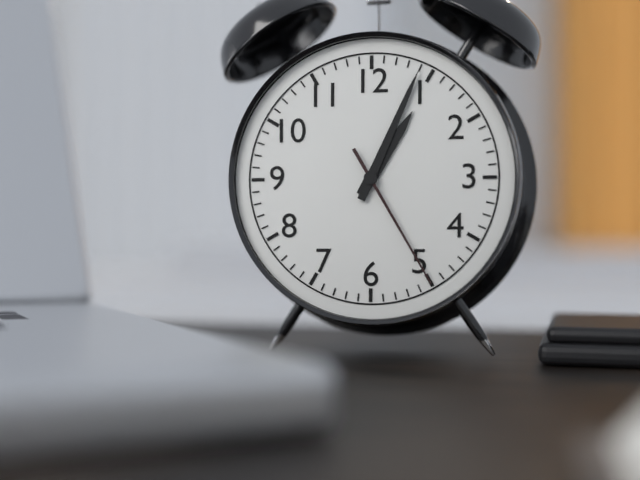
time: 1:04:25
